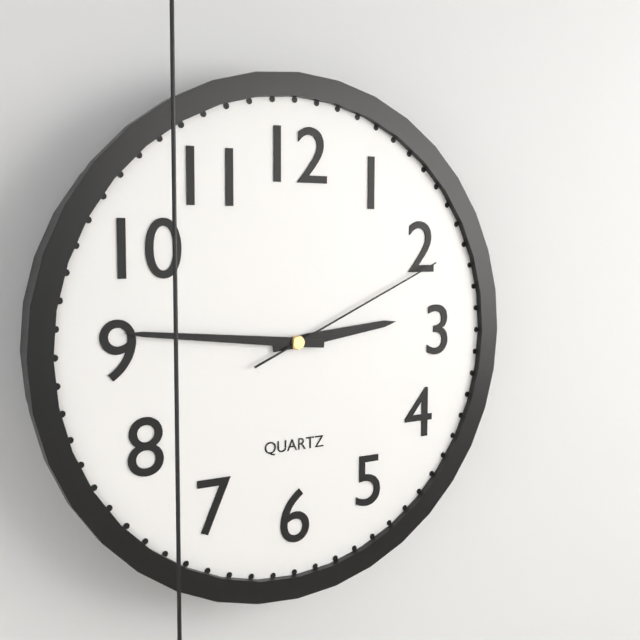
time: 2:46:11
